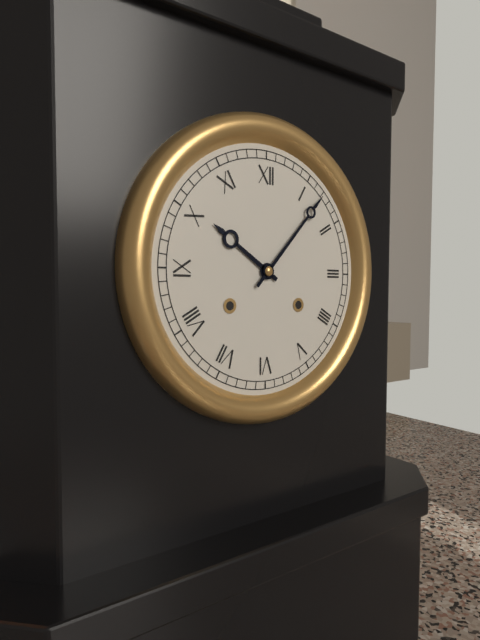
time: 10:07
